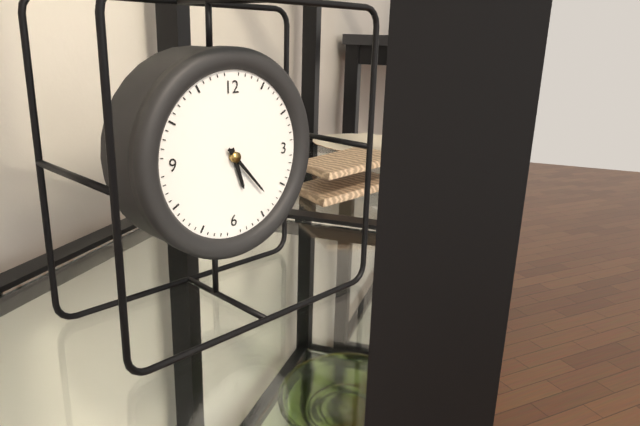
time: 5:23
